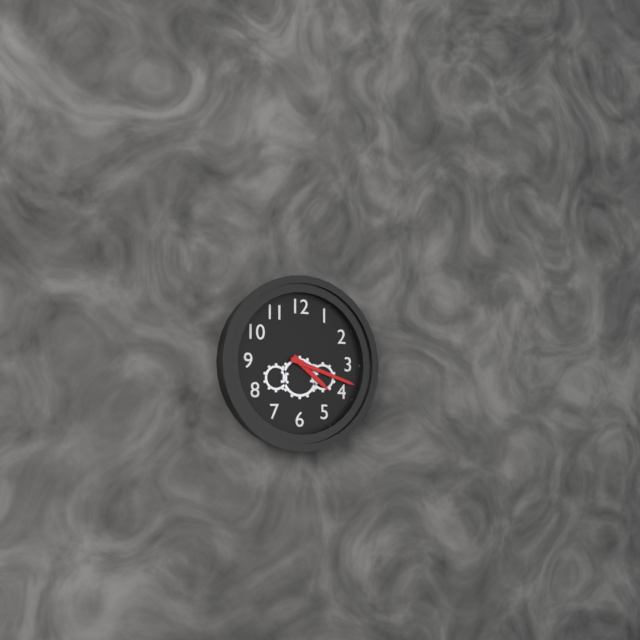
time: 4:18
